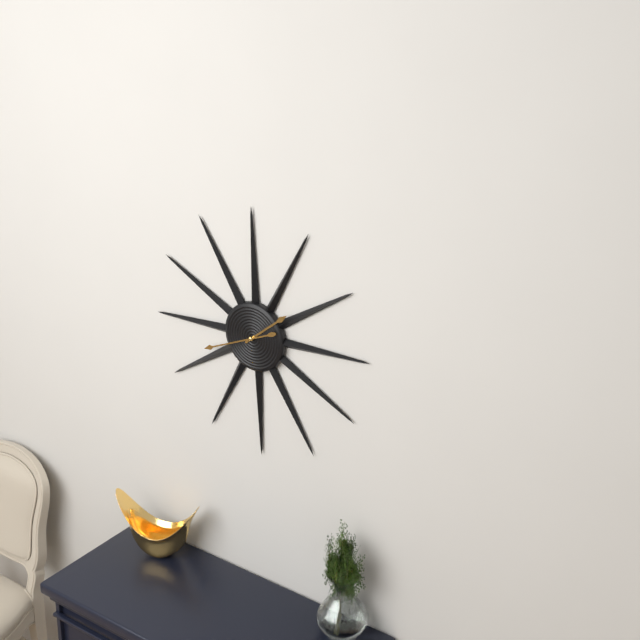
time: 1:41
